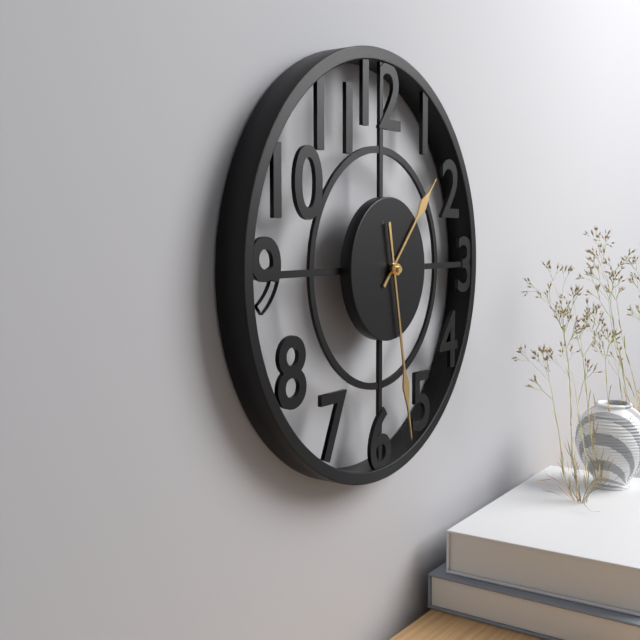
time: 1:28
